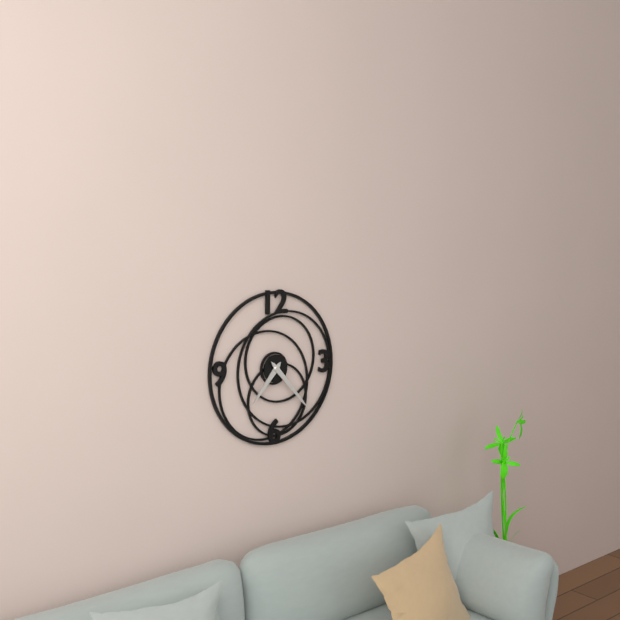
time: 7:23
